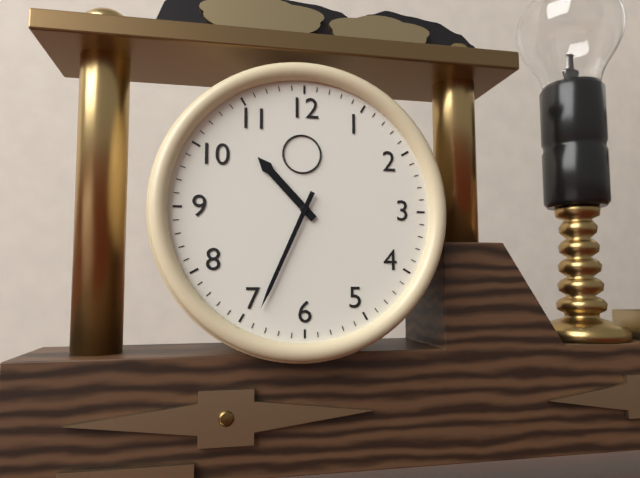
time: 10:34
